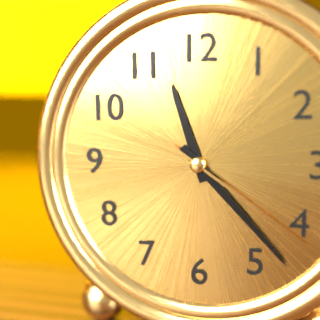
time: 11:23:21
